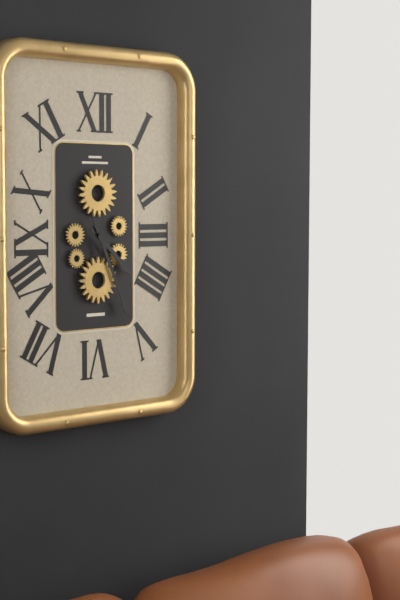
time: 4:26
